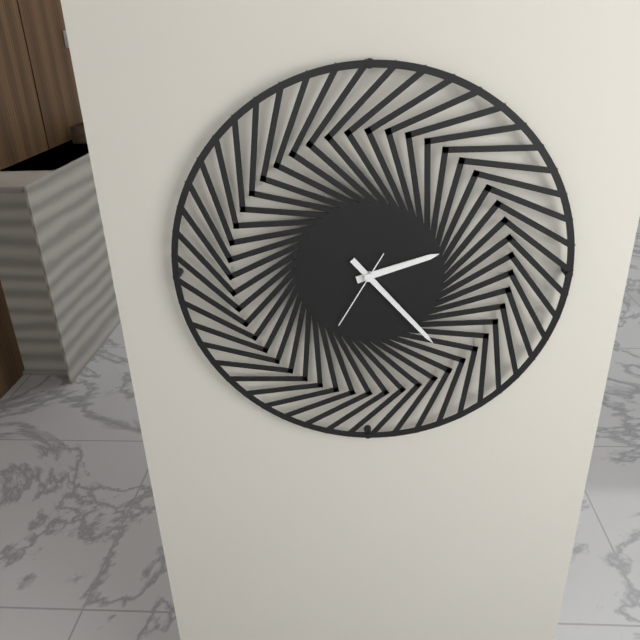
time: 2:23:35
